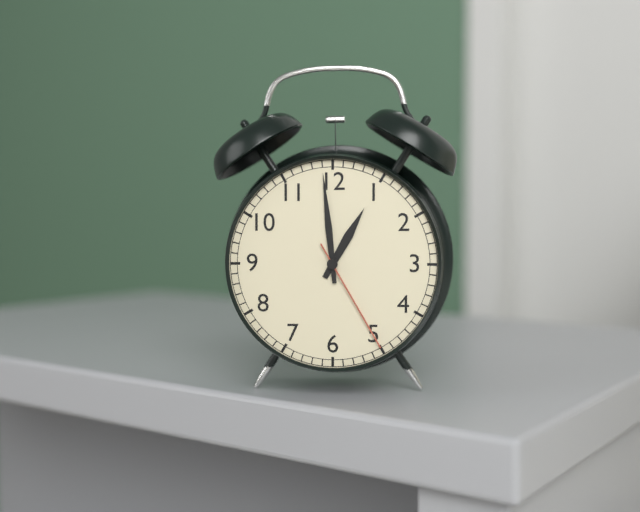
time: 12:59:25
